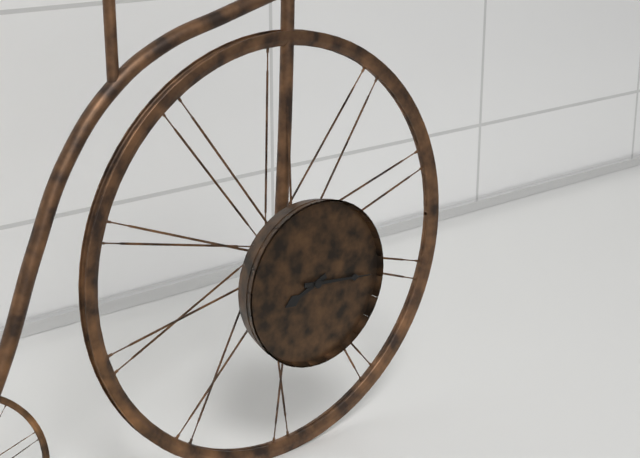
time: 8:16
